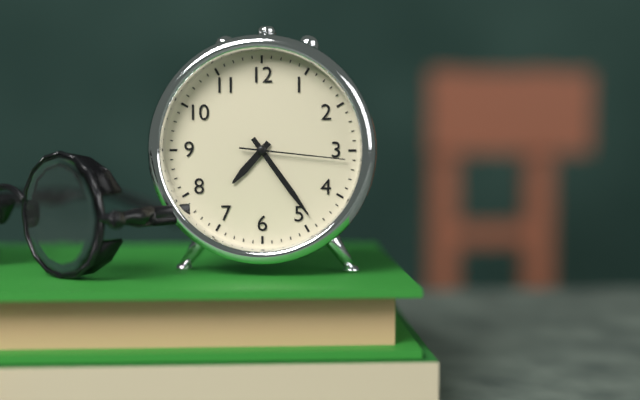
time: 7:24:16
